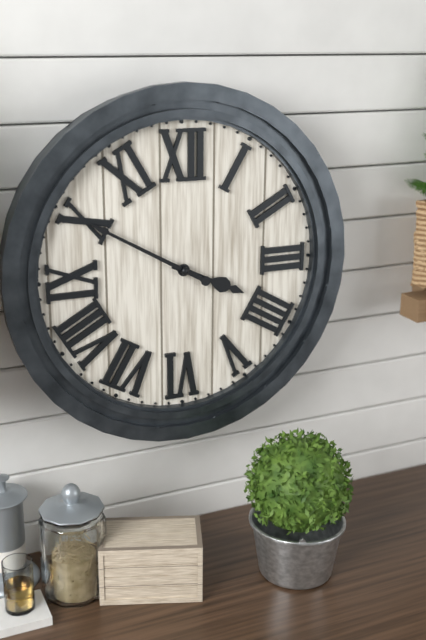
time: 3:50
